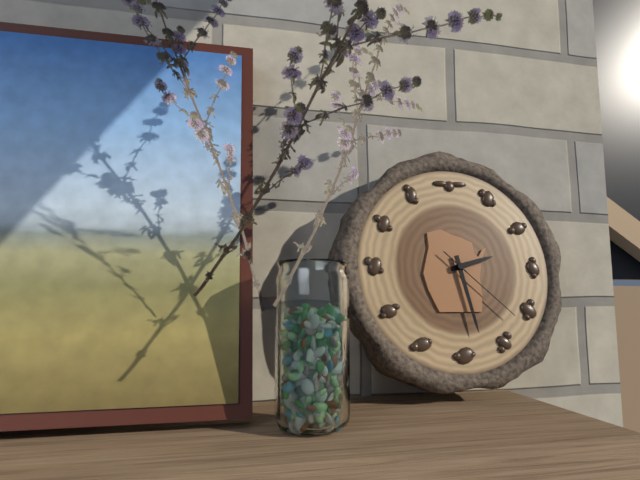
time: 2:28:22
